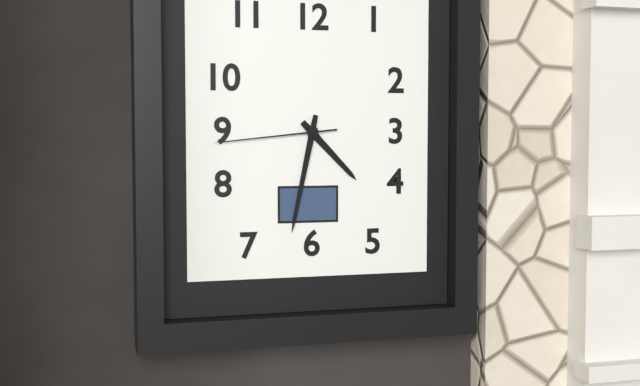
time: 4:32:44
